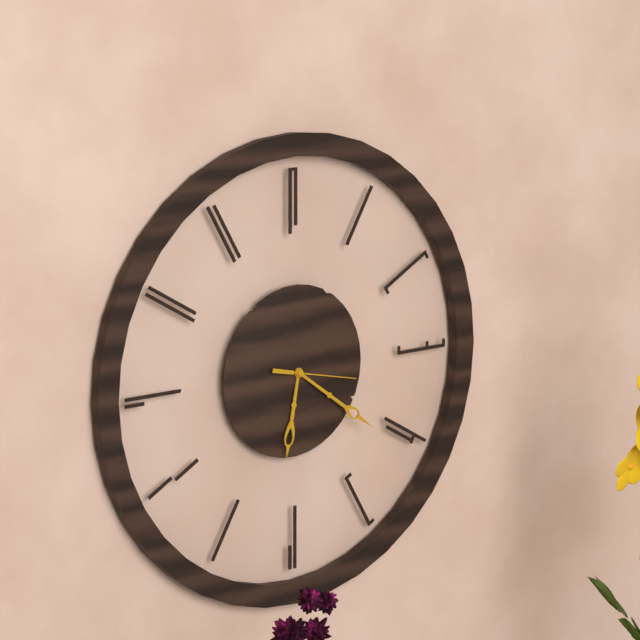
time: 6:21:17
